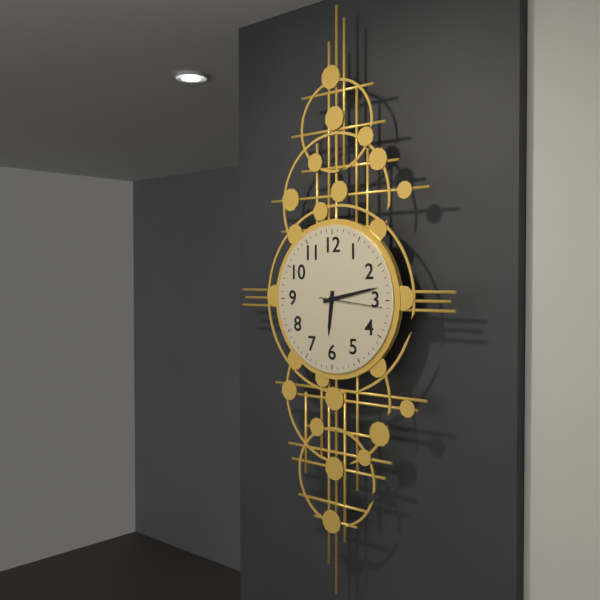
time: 6:13:16
